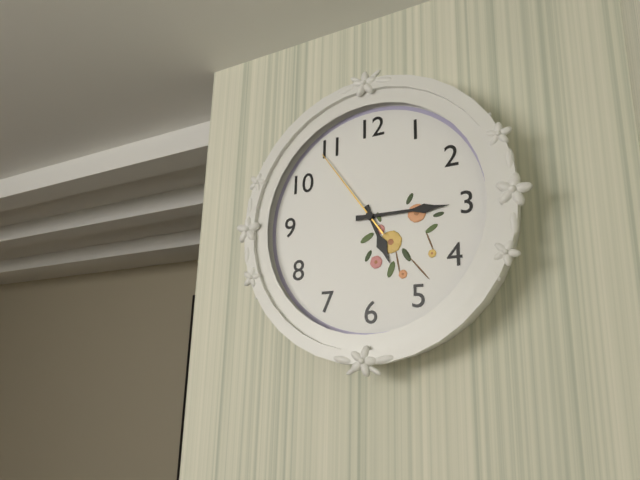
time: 5:15:54
